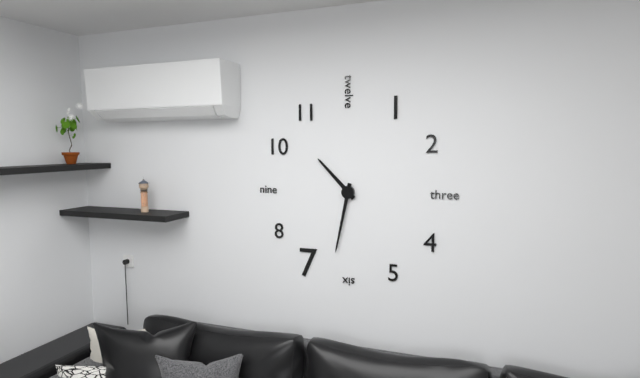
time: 10:32
